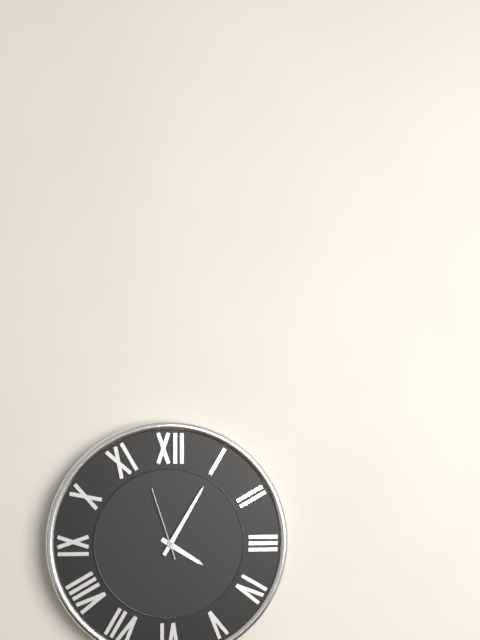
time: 4:05:57
